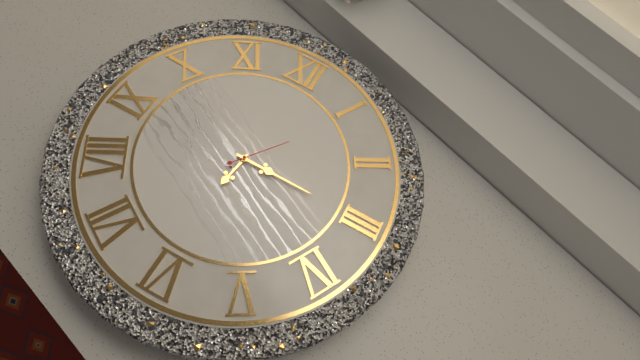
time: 6:15:06
